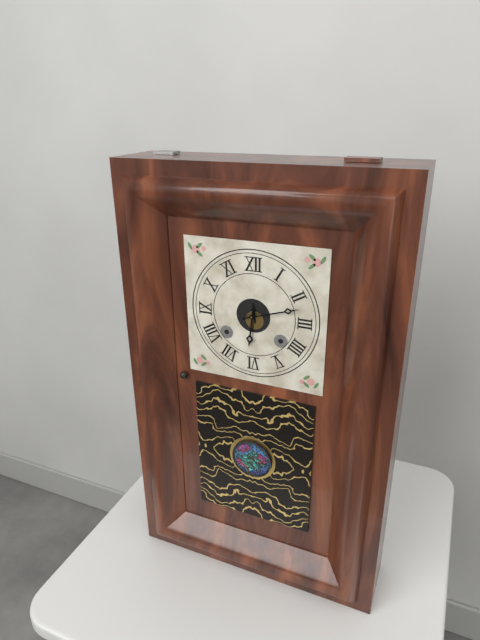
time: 6:12
